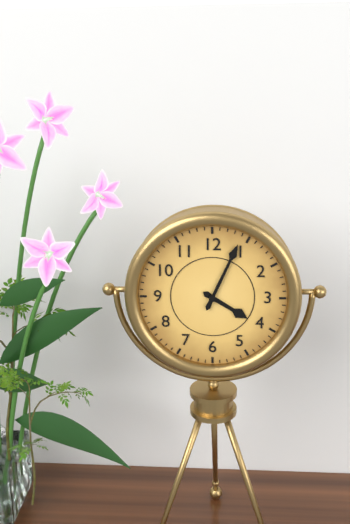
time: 4:04
